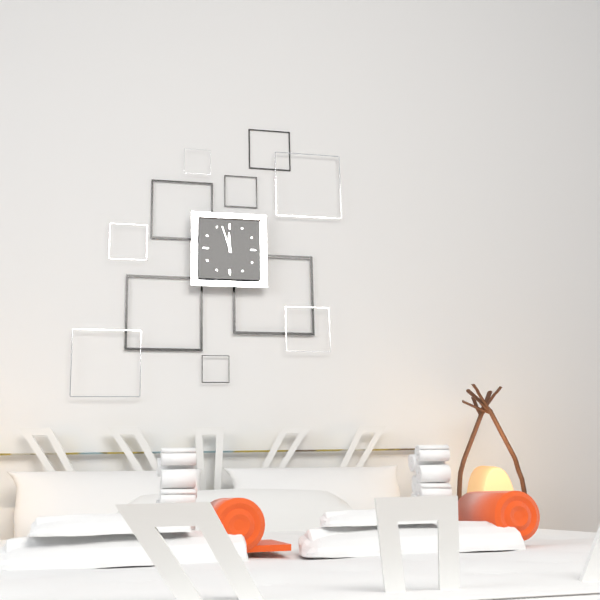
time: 11:57
